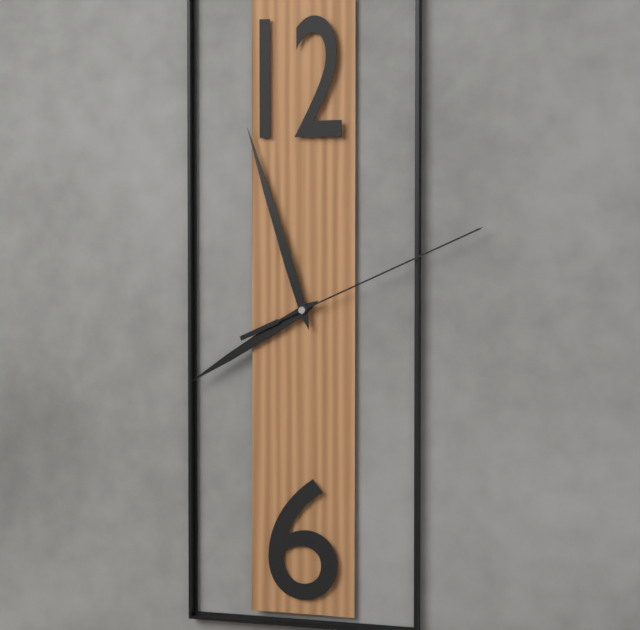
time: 7:57:11
